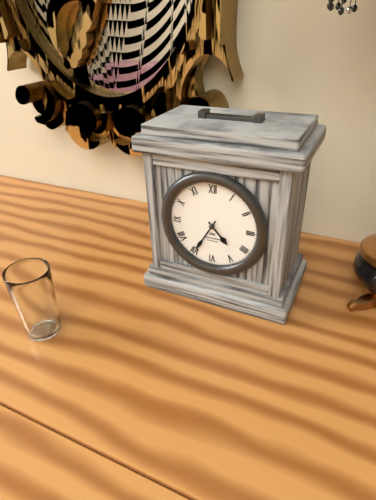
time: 4:35
